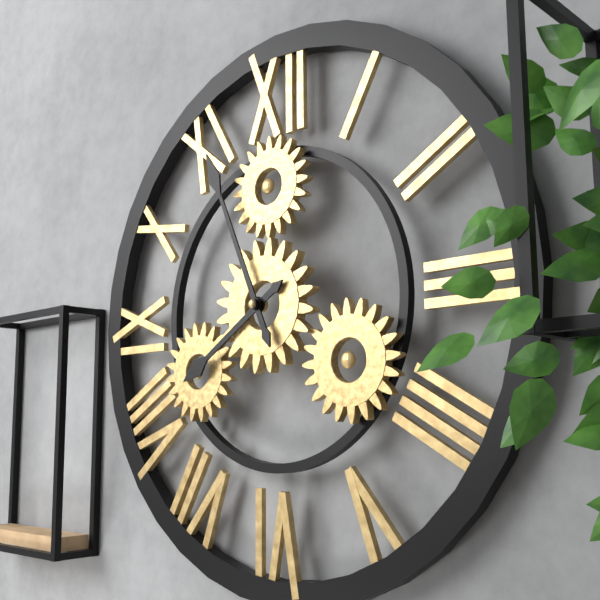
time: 7:56
